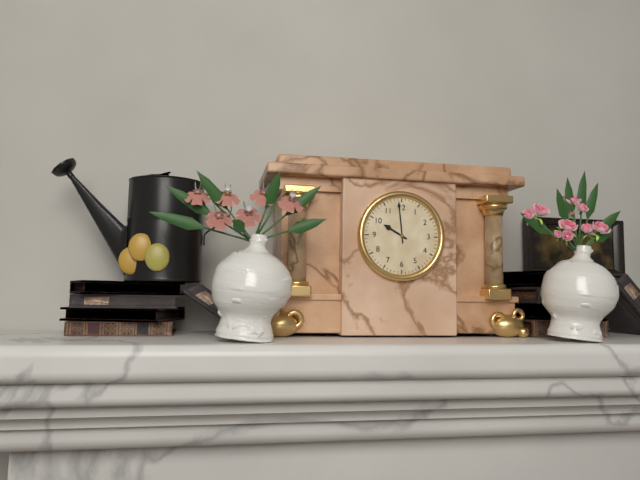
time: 9:59
